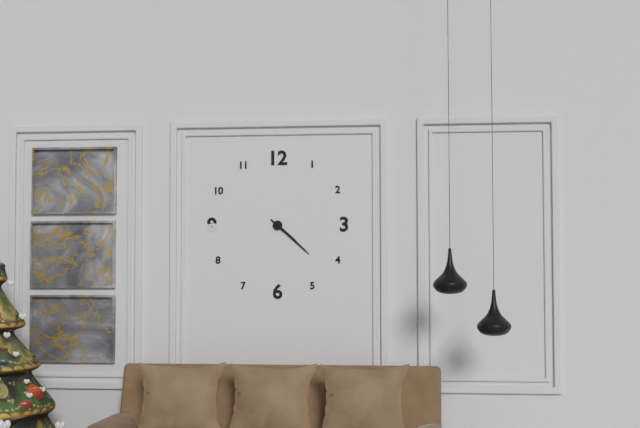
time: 4:22
